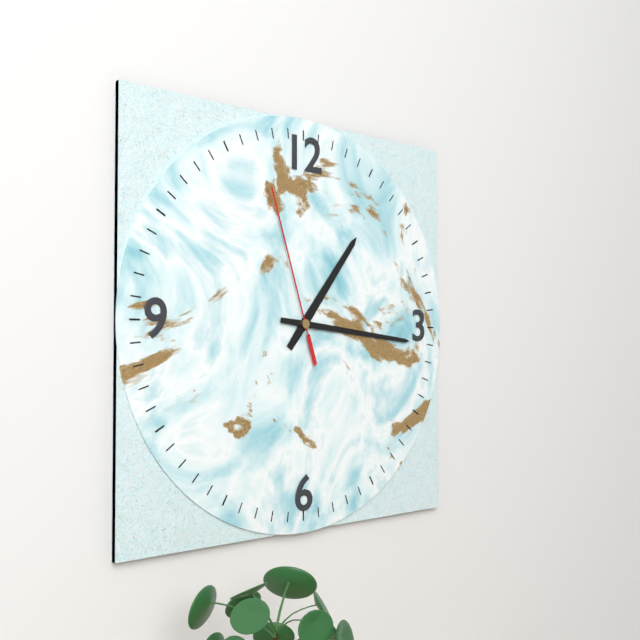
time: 1:16:57
